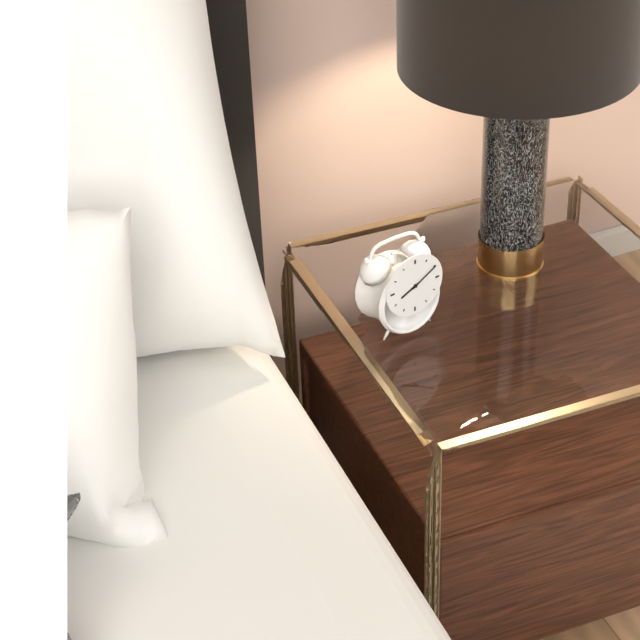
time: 8:10
